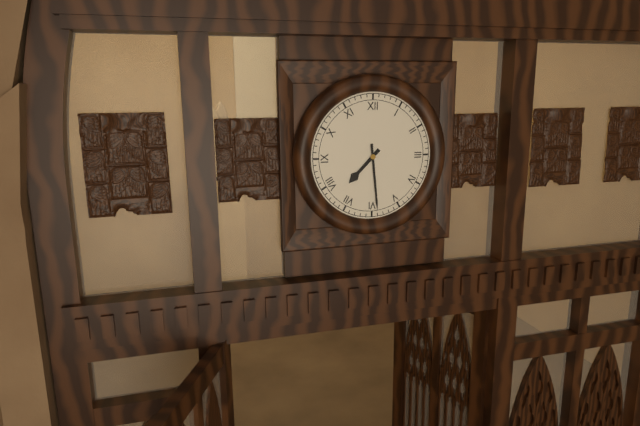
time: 7:29
